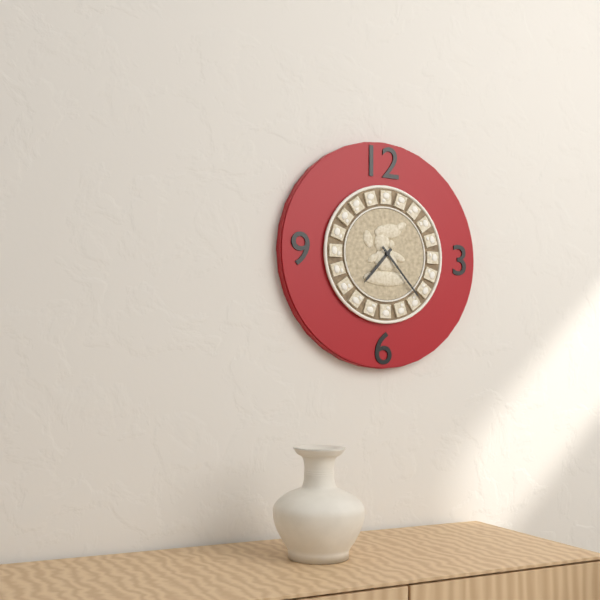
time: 7:23
